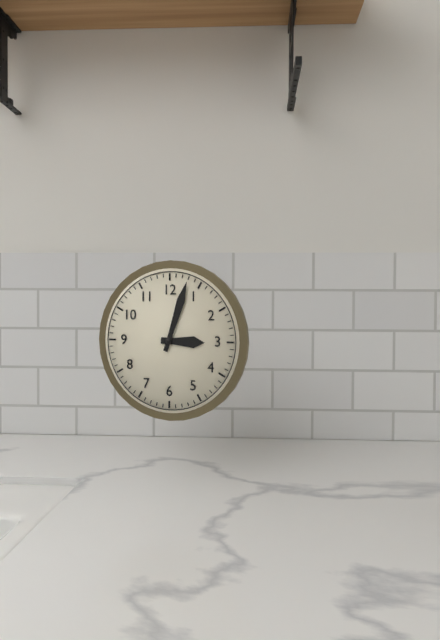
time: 3:03
